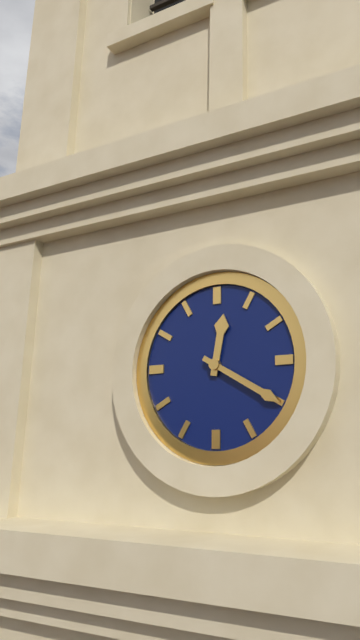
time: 12:20
